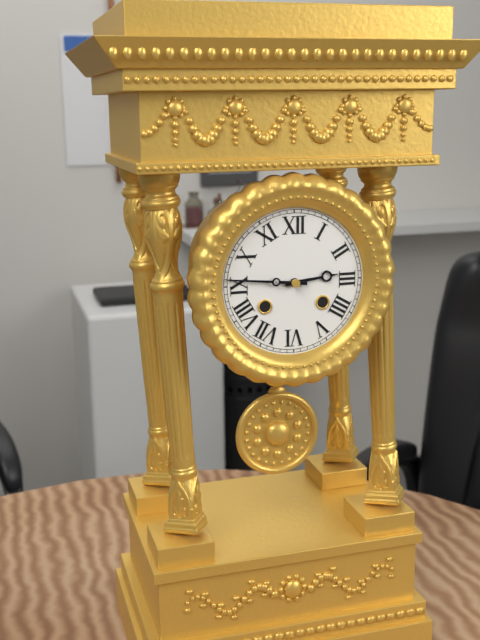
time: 2:46
